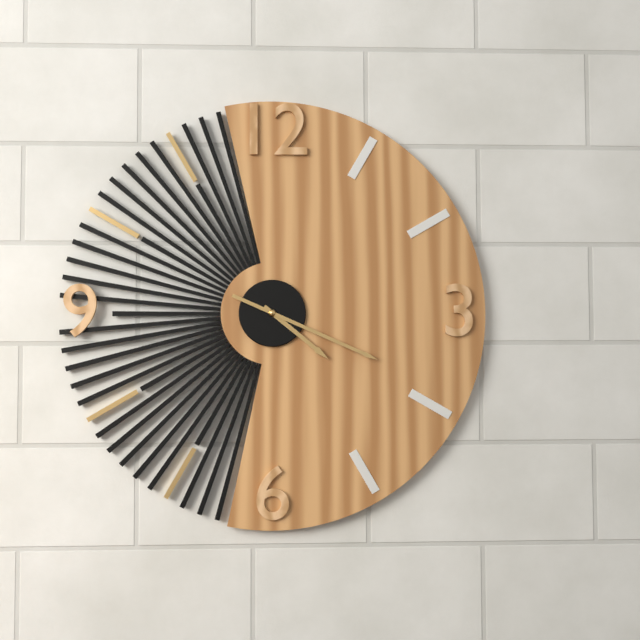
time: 4:19
